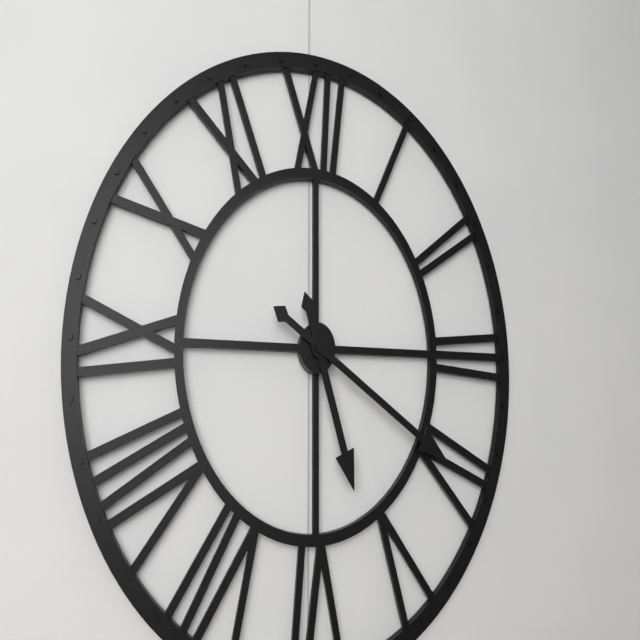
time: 5:20
